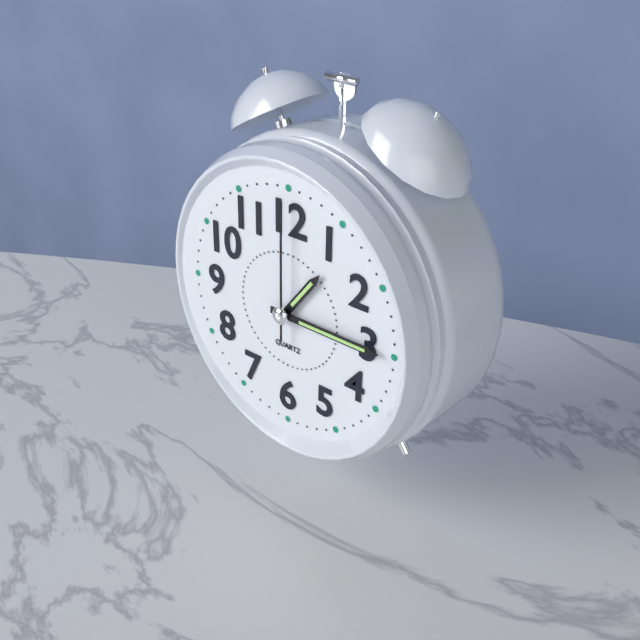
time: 1:15:00
